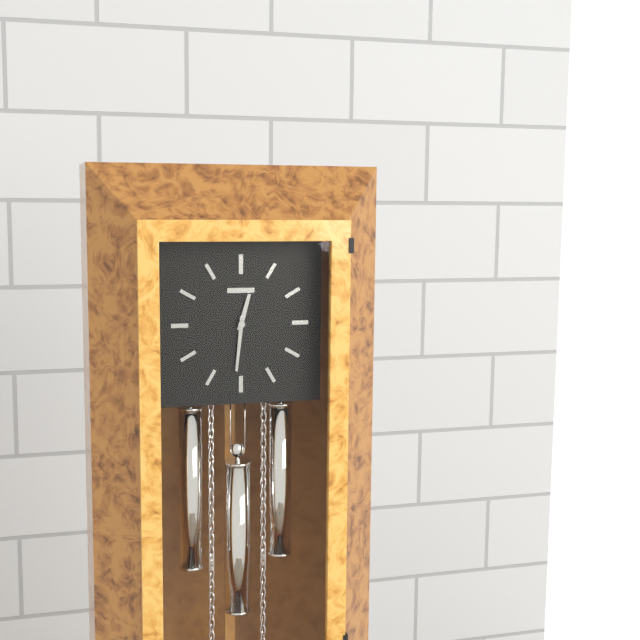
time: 12:31
